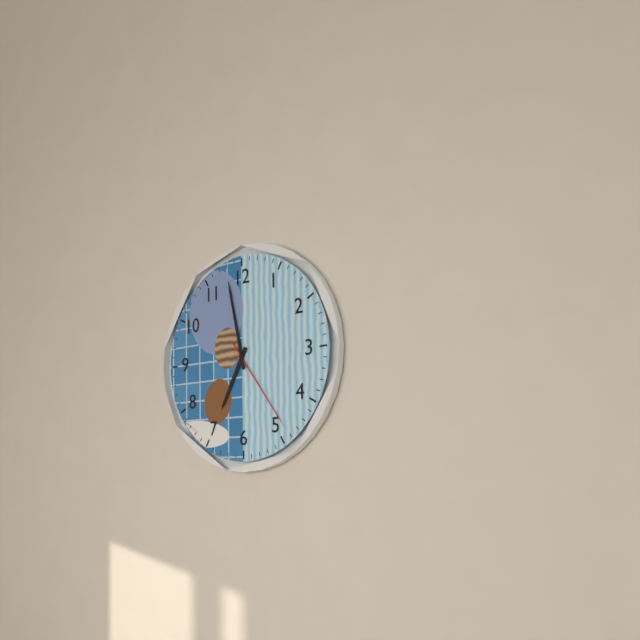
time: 6:58:24
